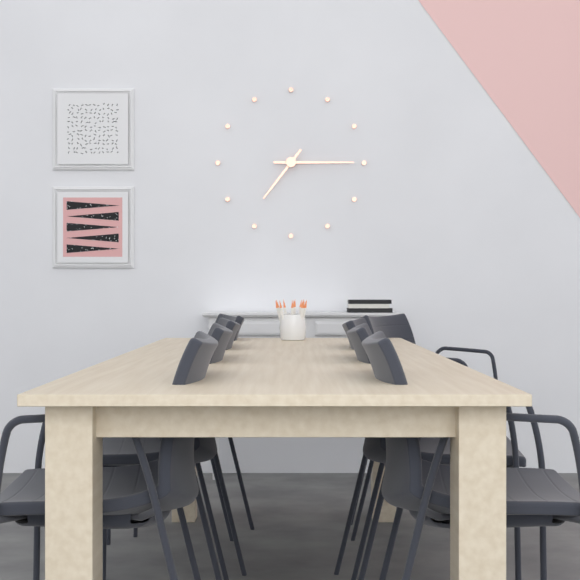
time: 7:15
